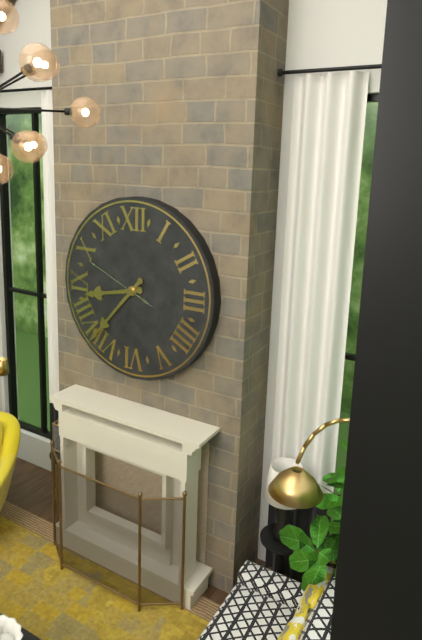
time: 8:37:49
